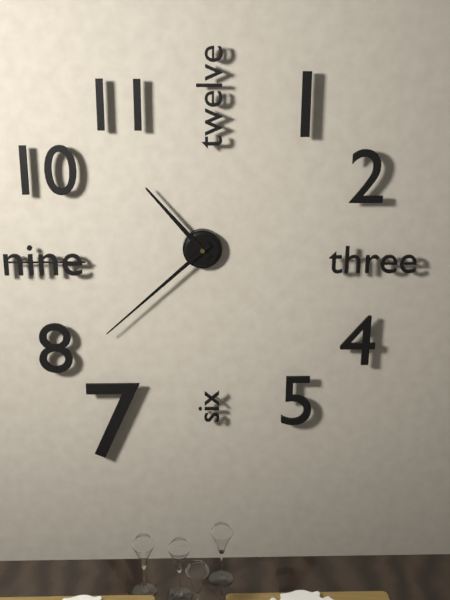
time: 10:38
